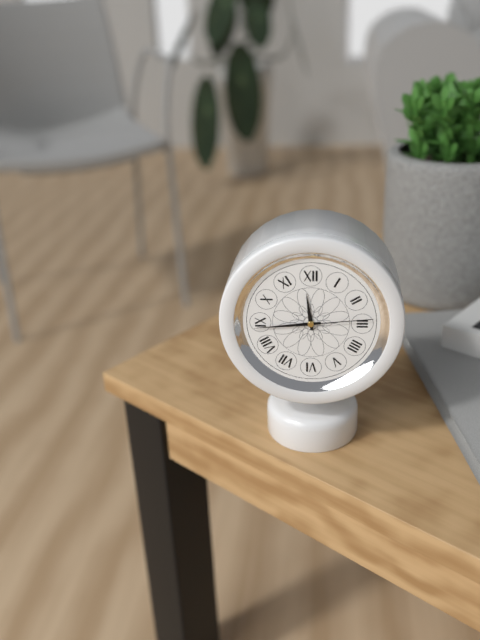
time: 11:44:14
